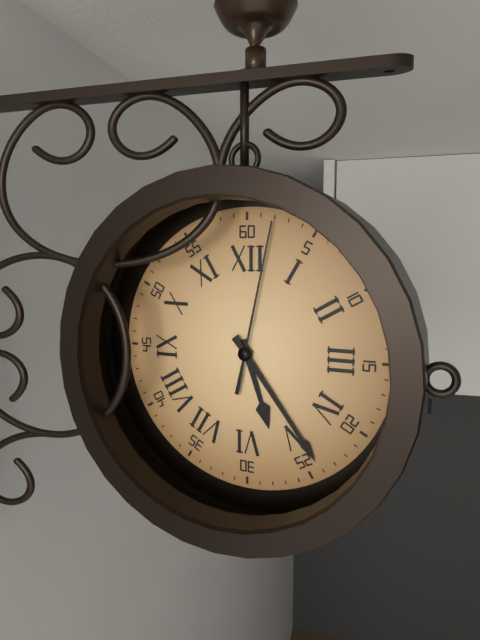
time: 5:24:02
